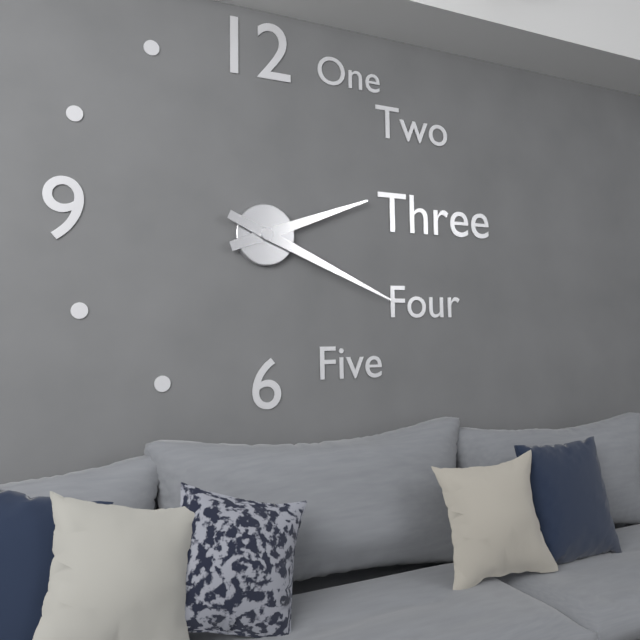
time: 2:19
